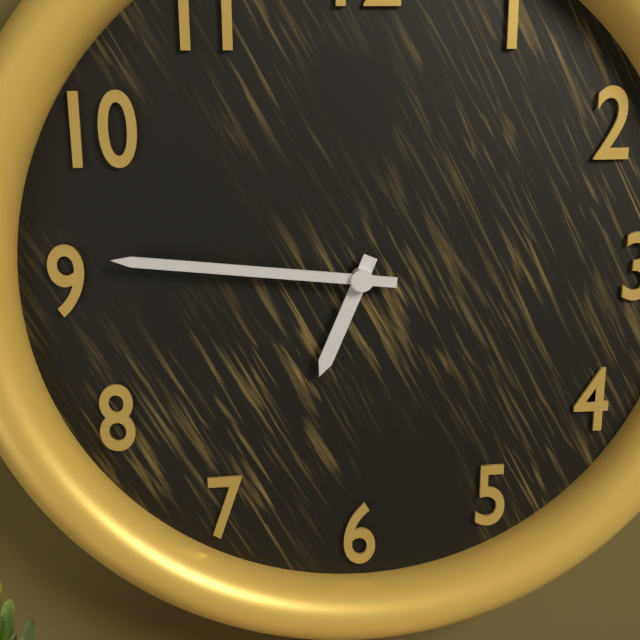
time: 6:46
